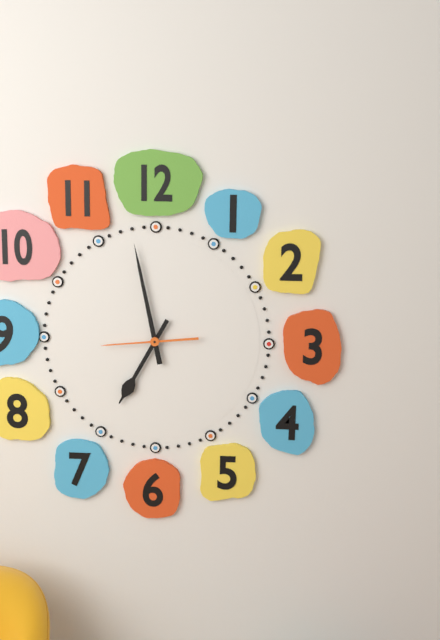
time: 6:58:44
